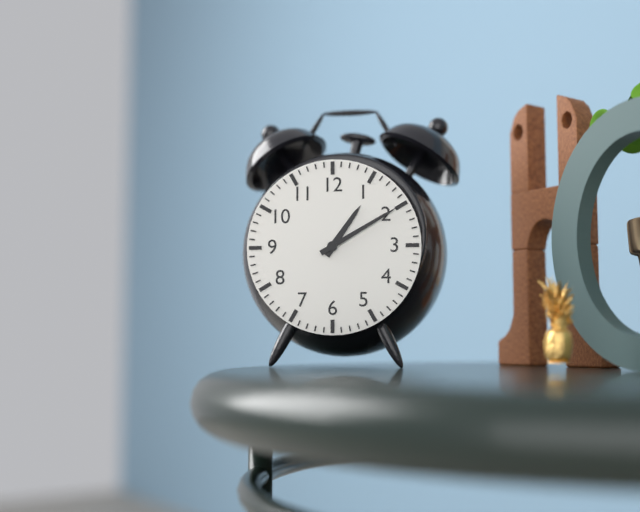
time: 1:10
